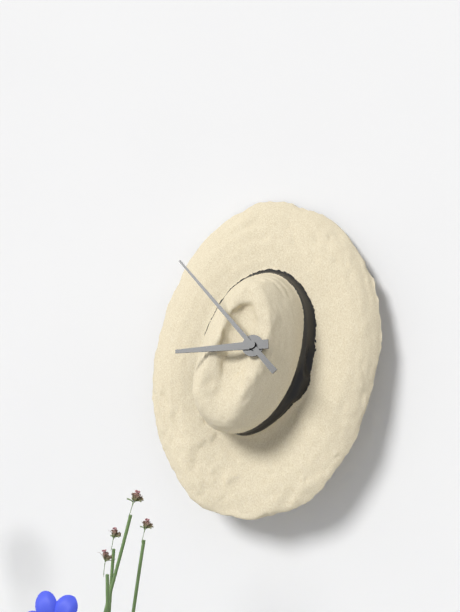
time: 8:53
